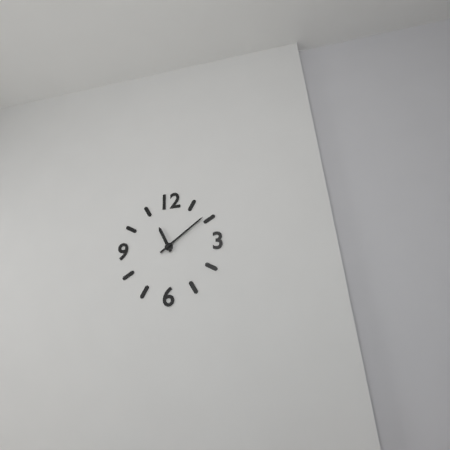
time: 11:09
